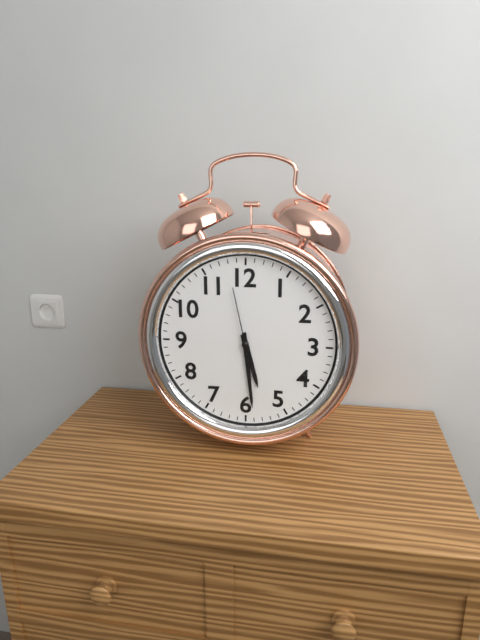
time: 5:29:58
